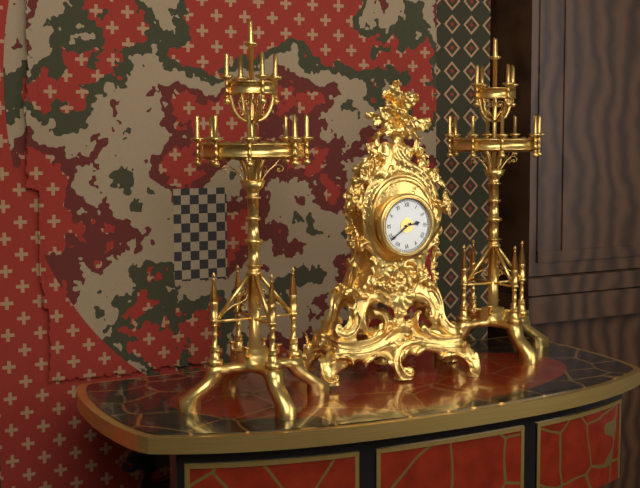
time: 2:39
